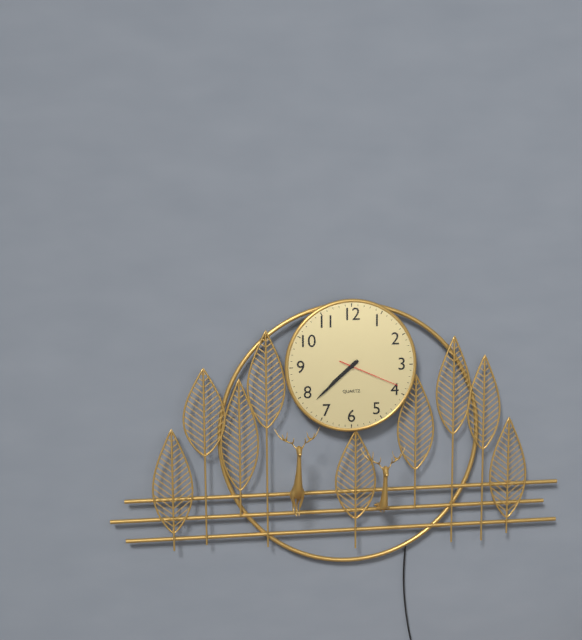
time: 7:38:19
